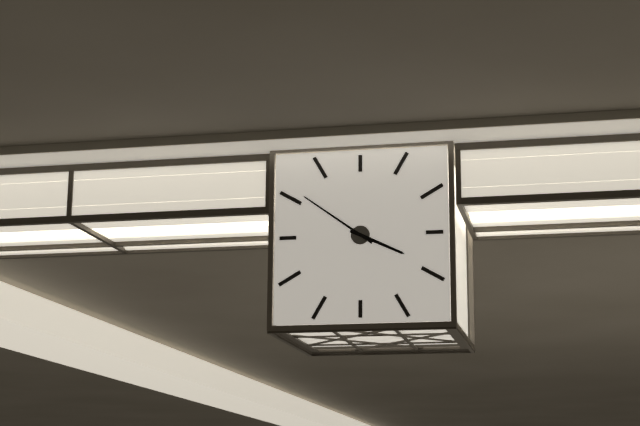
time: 3:51
